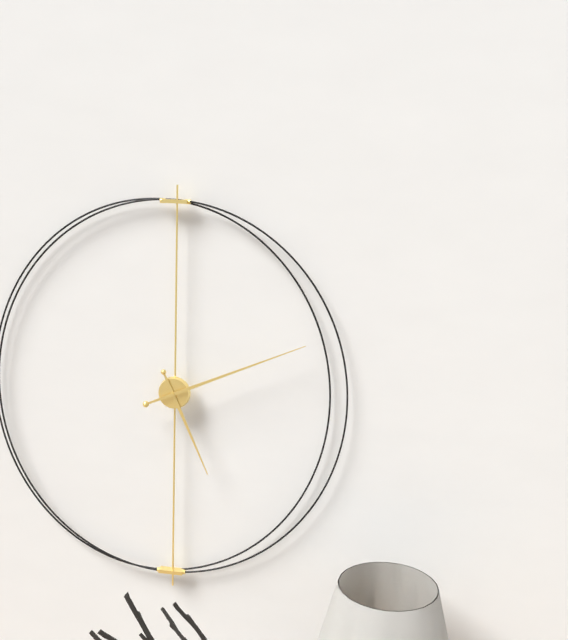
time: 5:11
